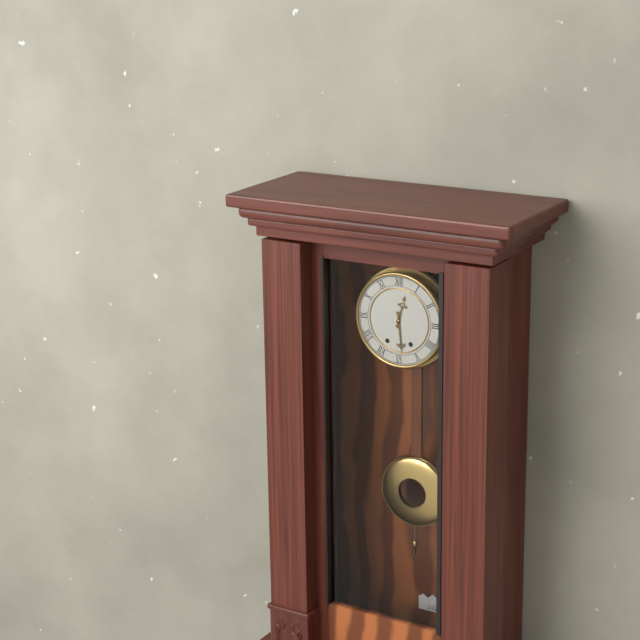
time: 12:29
